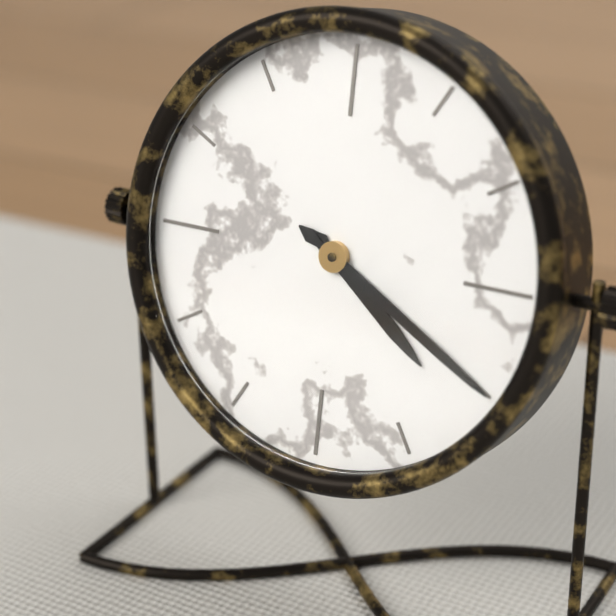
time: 4:20
